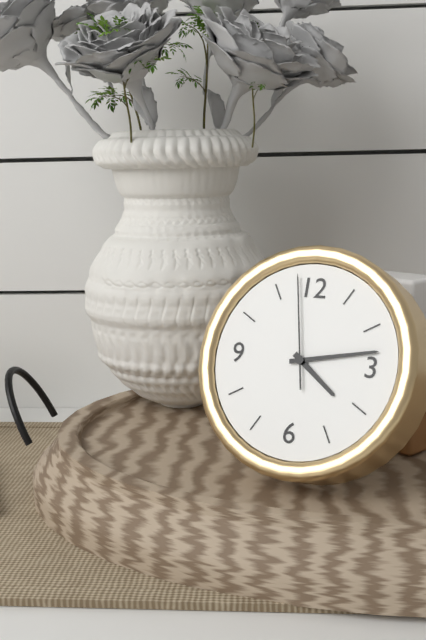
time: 4:13:58
